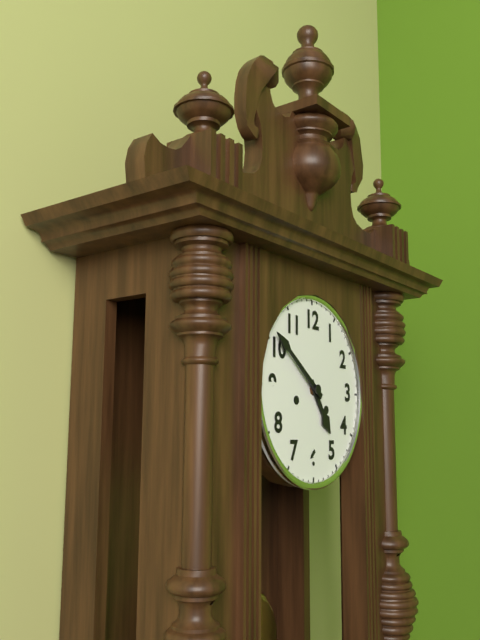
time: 4:51
